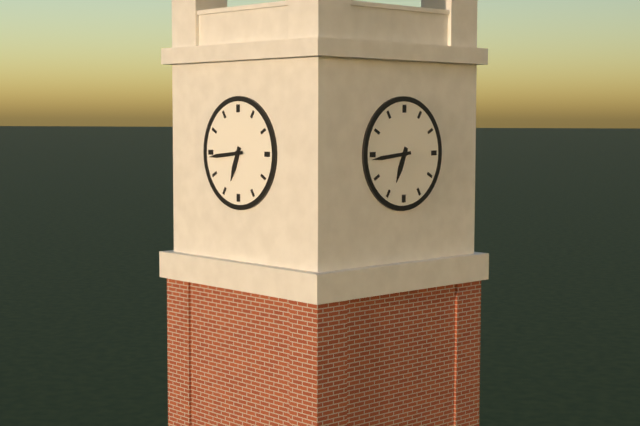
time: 6:44
